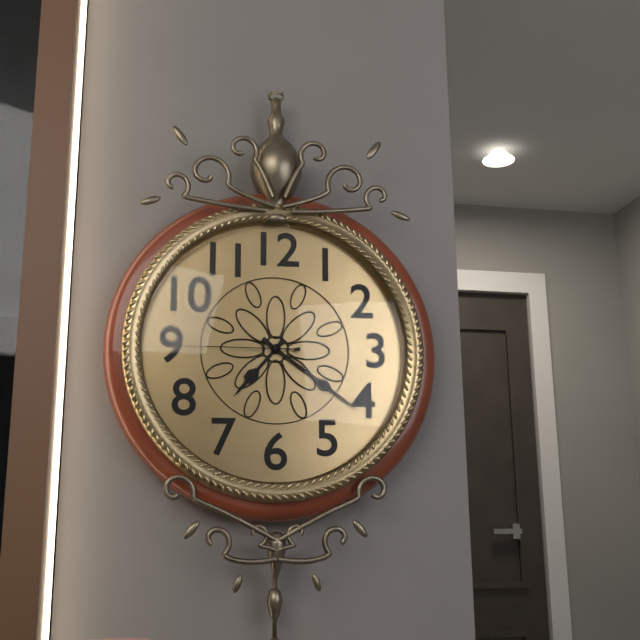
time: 7:21:45
